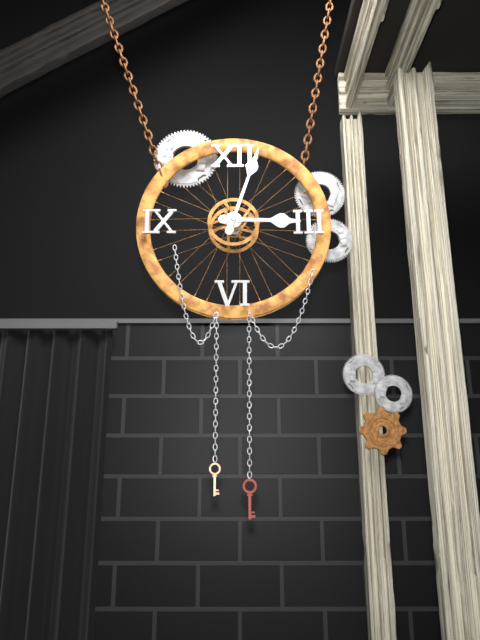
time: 3:03
